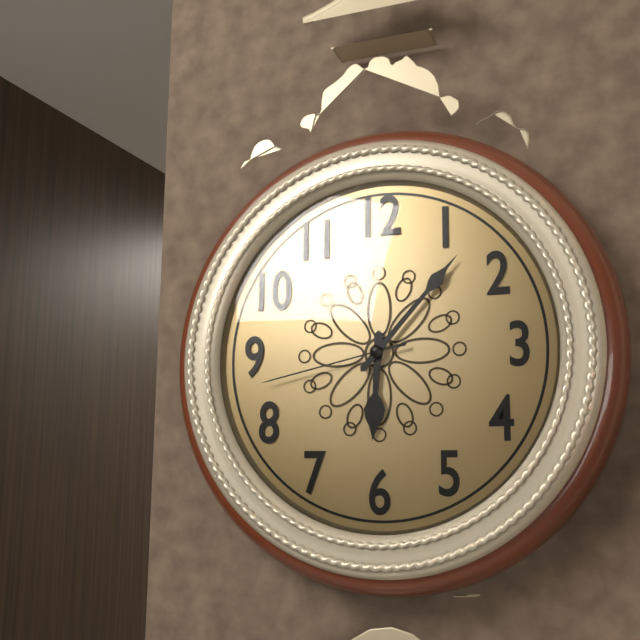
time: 6:07:43
